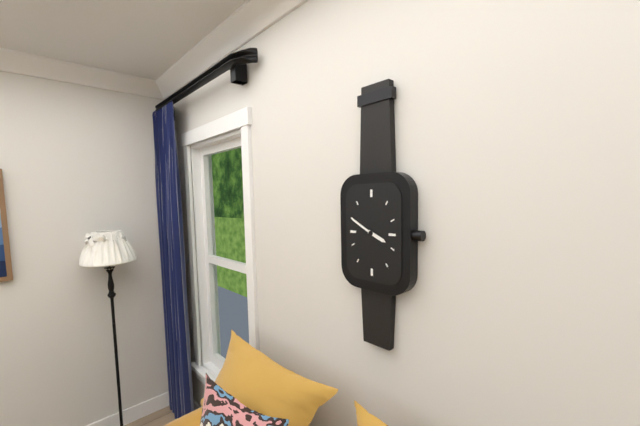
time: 3:50
